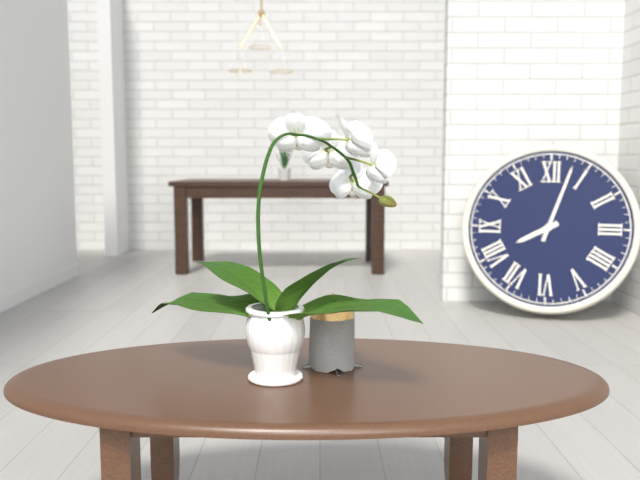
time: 8:03
